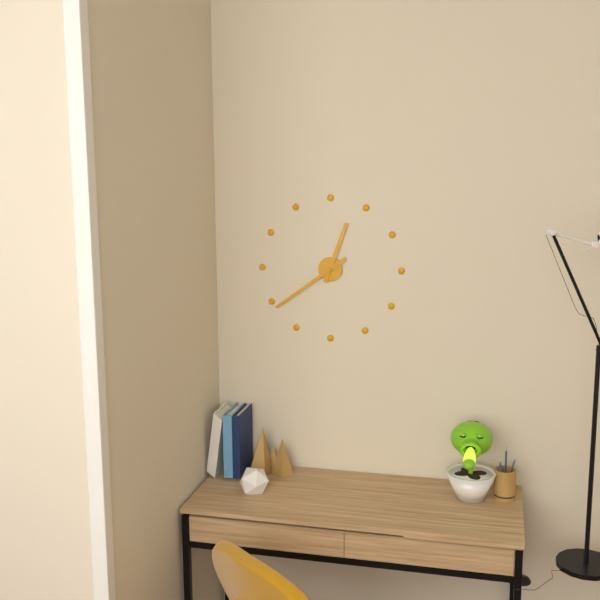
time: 12:39
